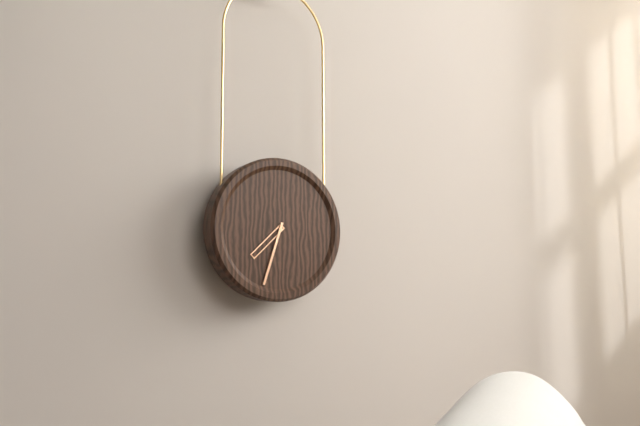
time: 7:33
